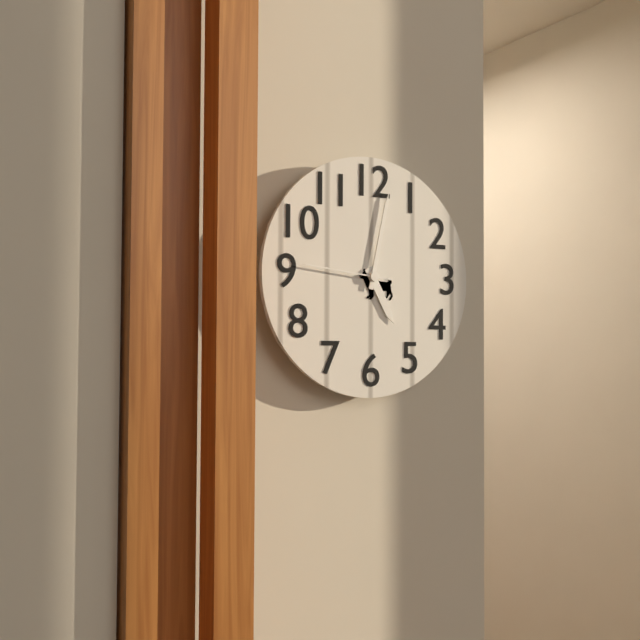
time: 5:02:46
